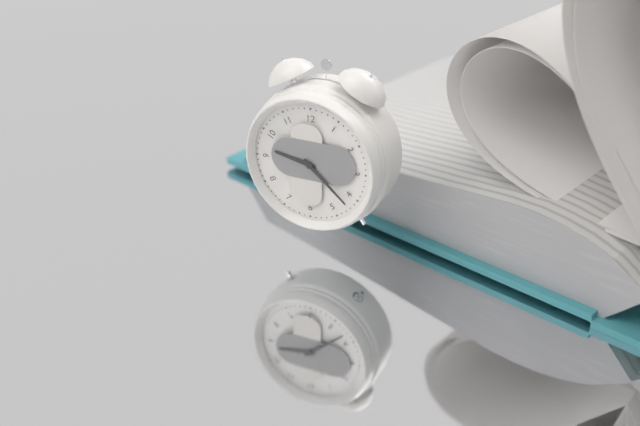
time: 9:22
